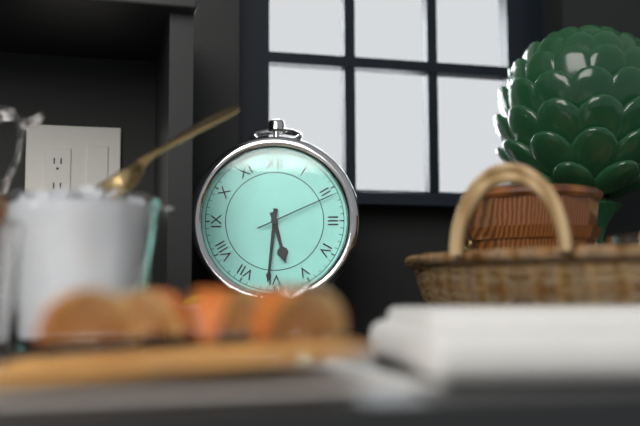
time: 5:31:11
